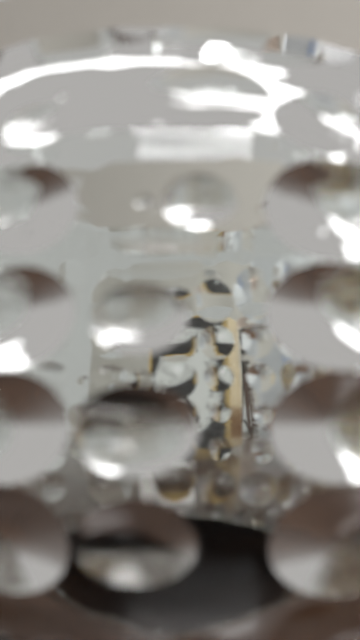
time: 11:25
